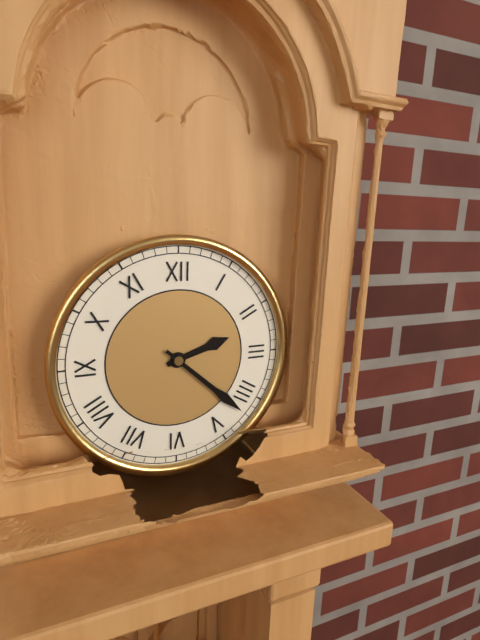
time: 2:22
